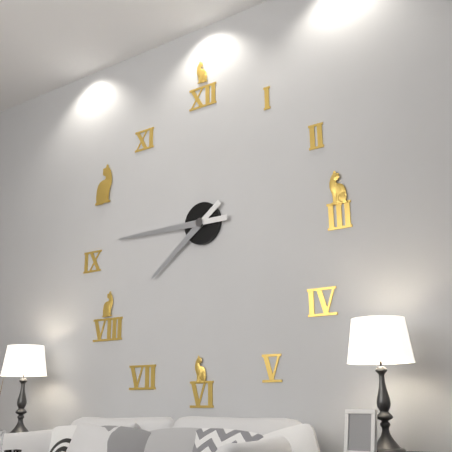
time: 7:45
